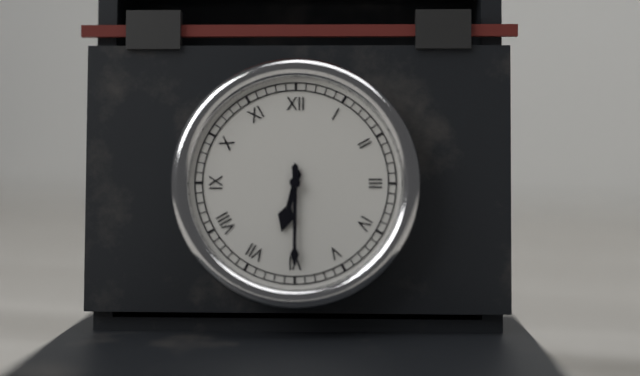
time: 6:30
